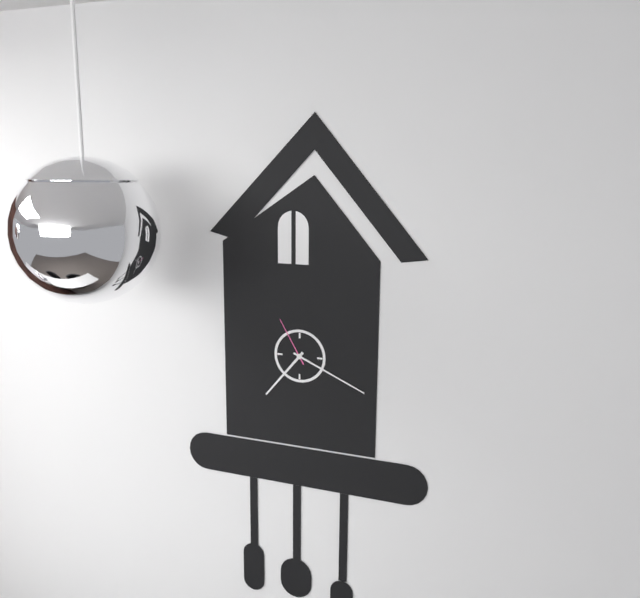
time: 7:19:55
